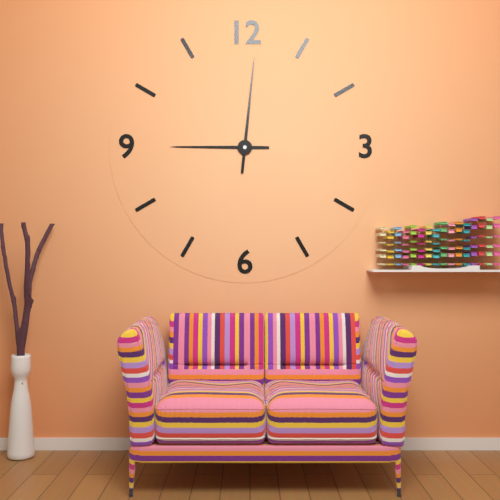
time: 9:01
